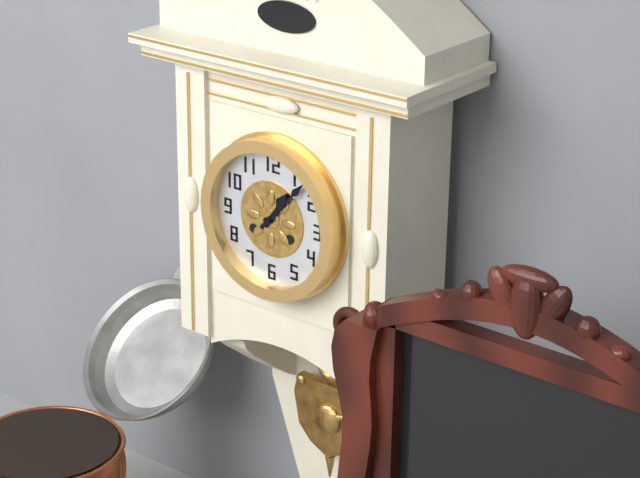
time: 1:07
